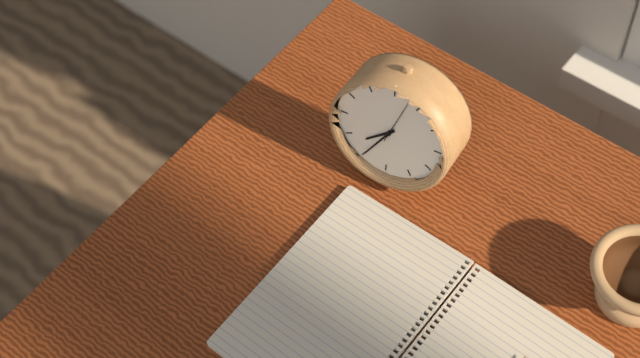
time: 7:35
